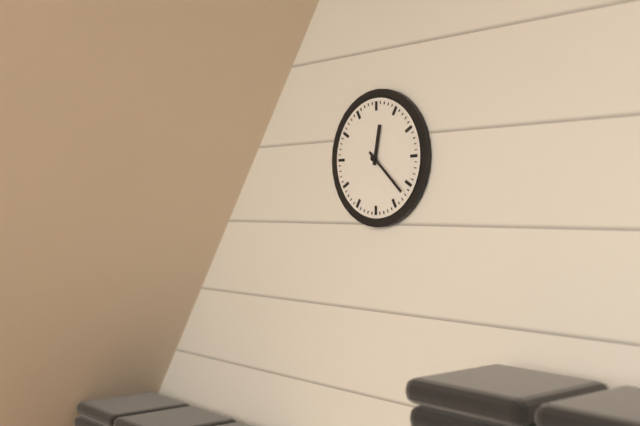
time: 12:22
